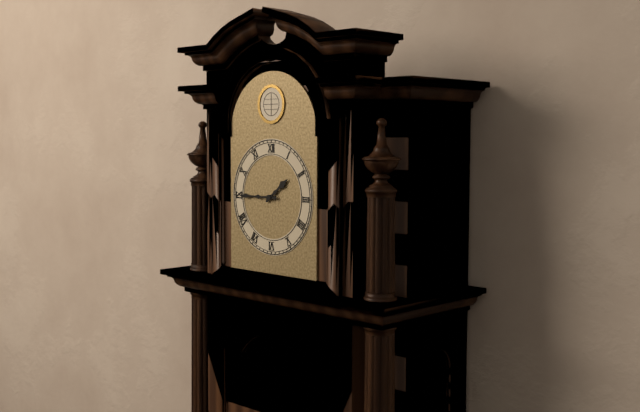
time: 1:45
